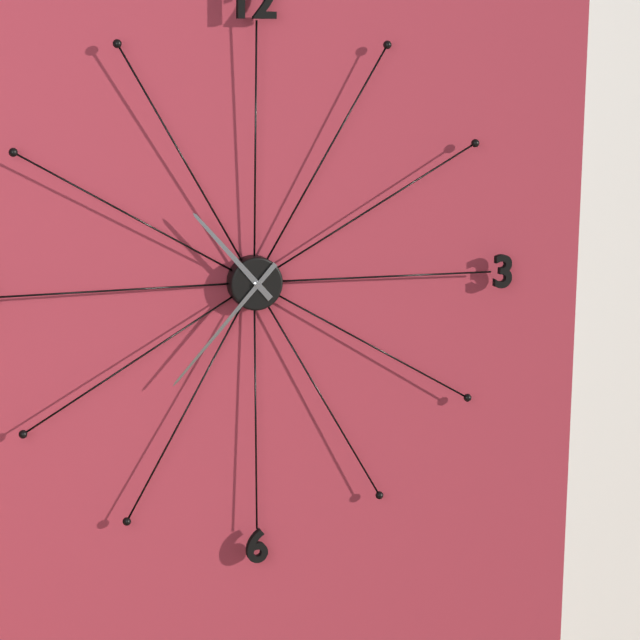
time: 10:37
